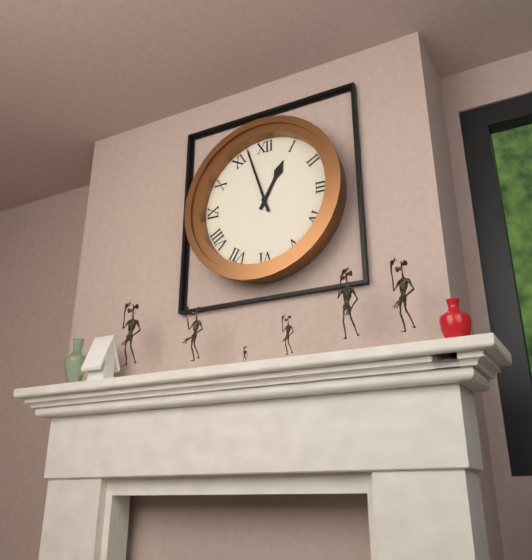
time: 12:57
